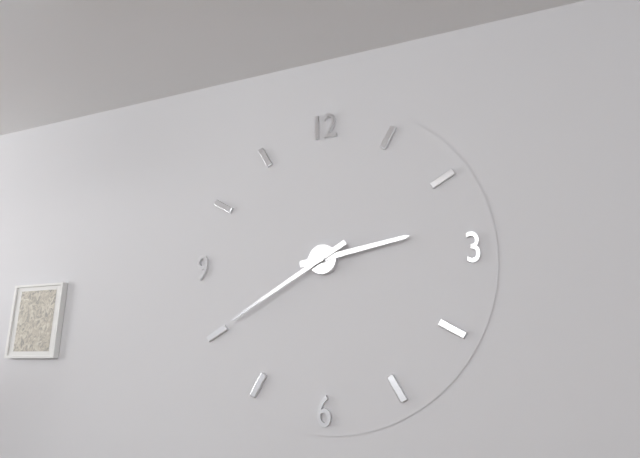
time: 2:40
